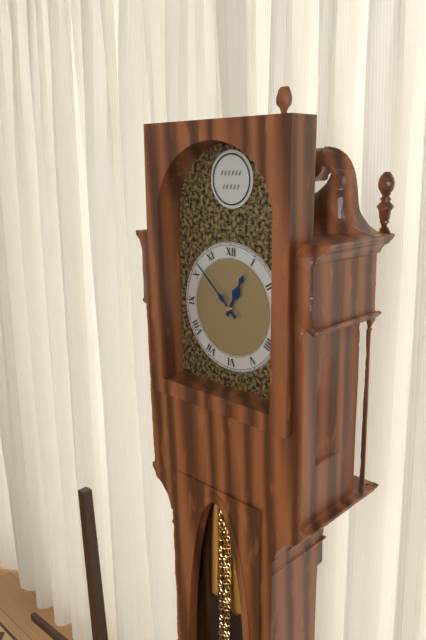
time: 12:52
